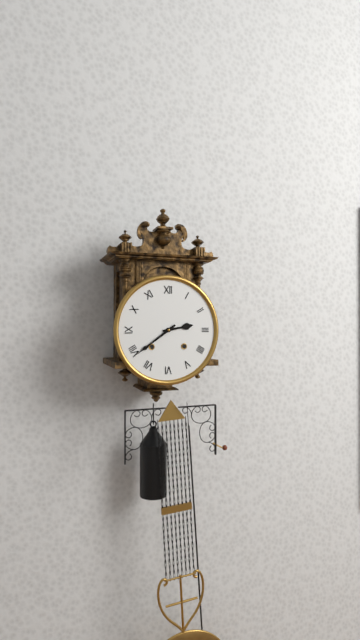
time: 2:39
